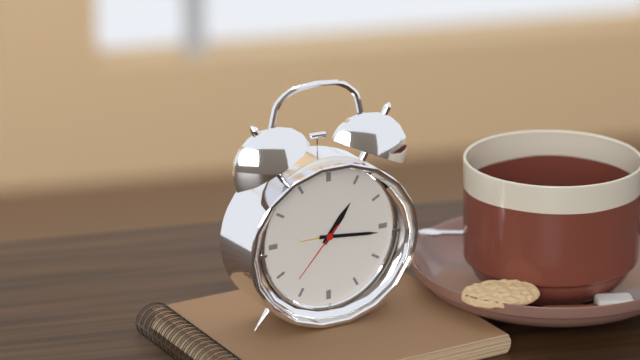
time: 1:16:37
